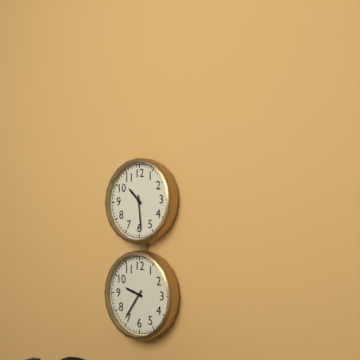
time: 10:29
